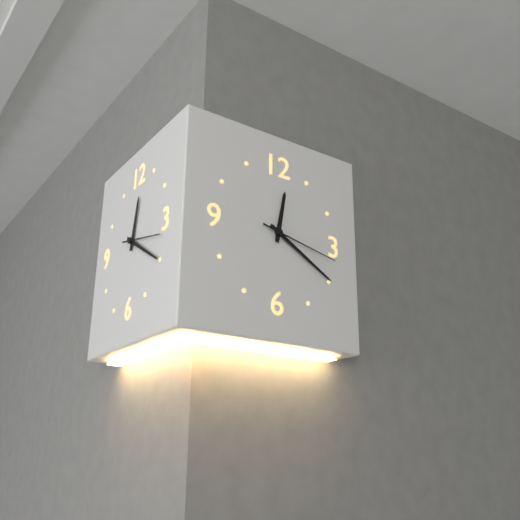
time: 12:20:17
